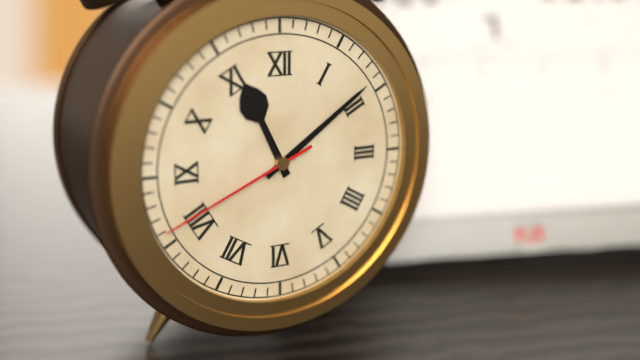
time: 11:09:41
